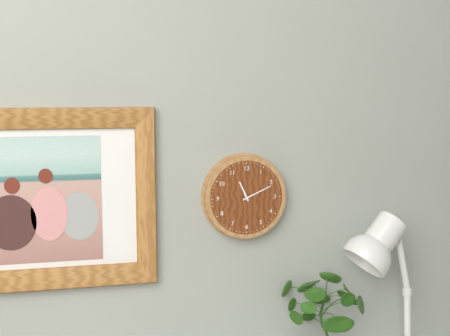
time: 11:11
